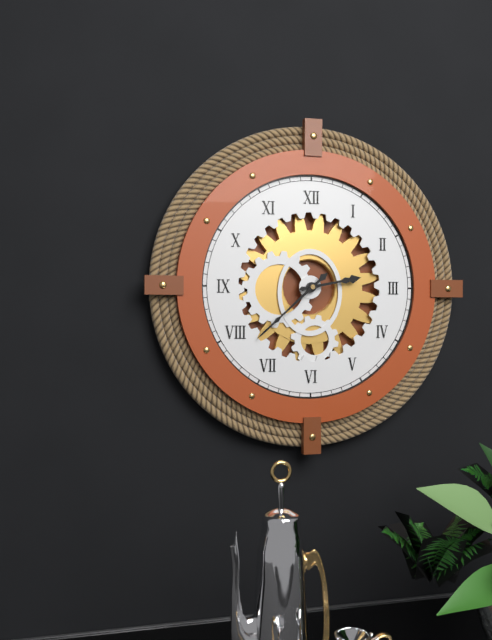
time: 2:38
